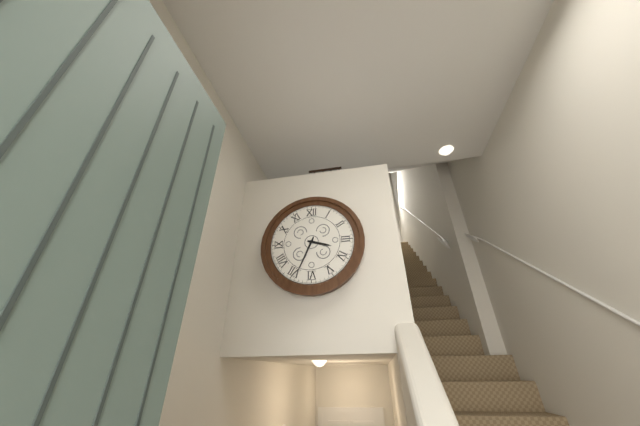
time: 3:34
